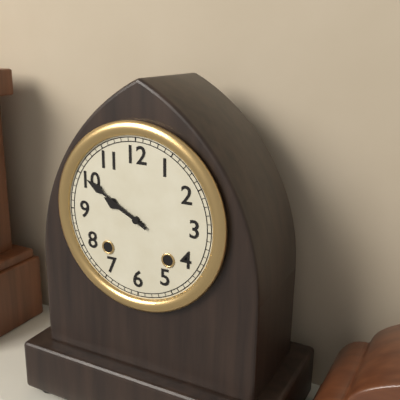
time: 9:50
